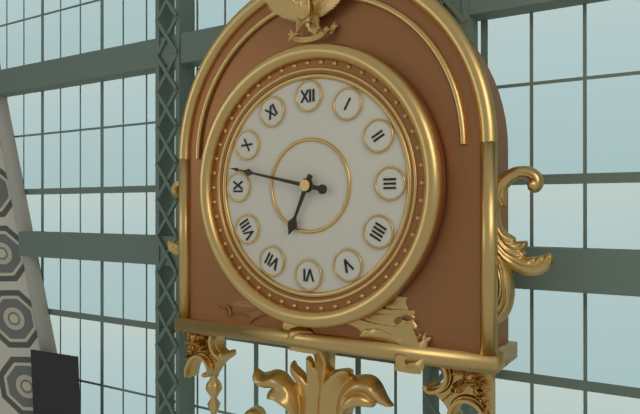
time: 6:47
